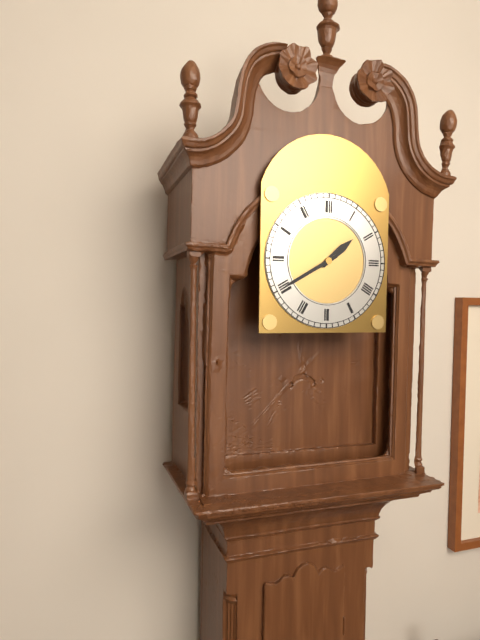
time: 1:40
